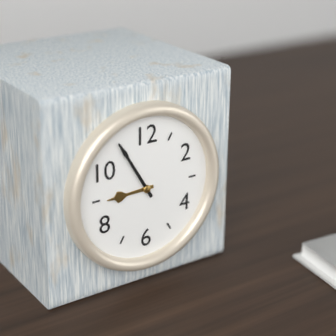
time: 8:55
